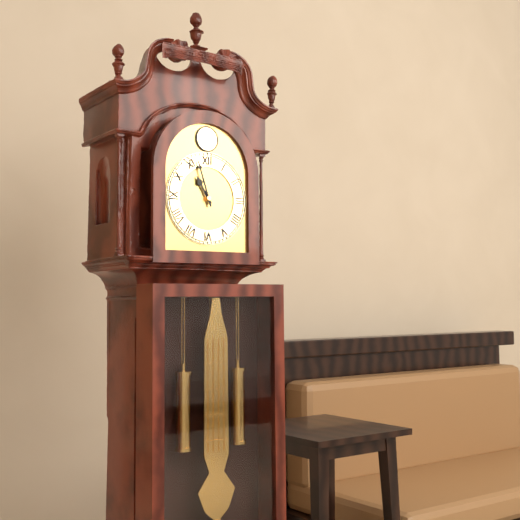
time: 10:57
